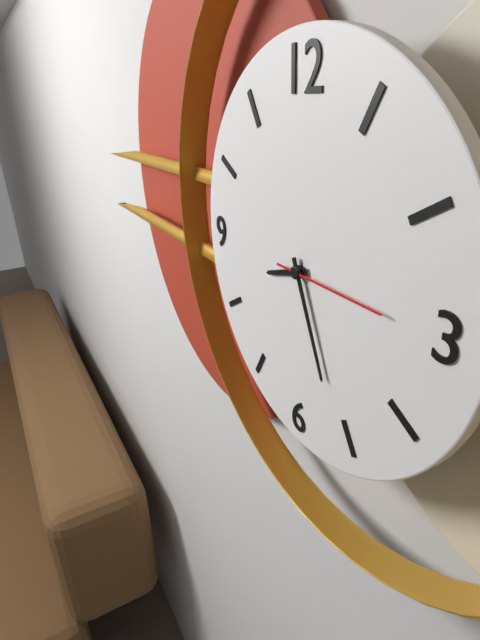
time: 8:26:15
